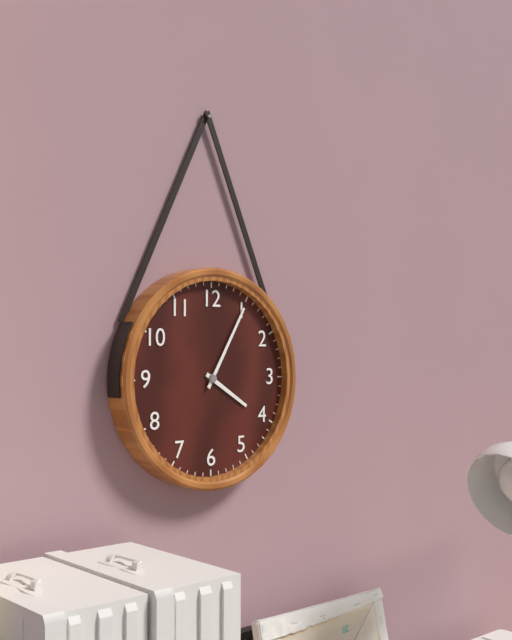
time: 4:05
